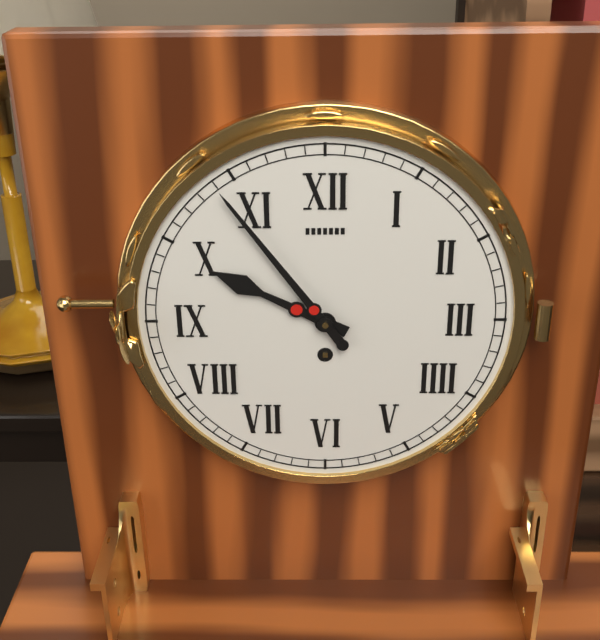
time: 9:54
